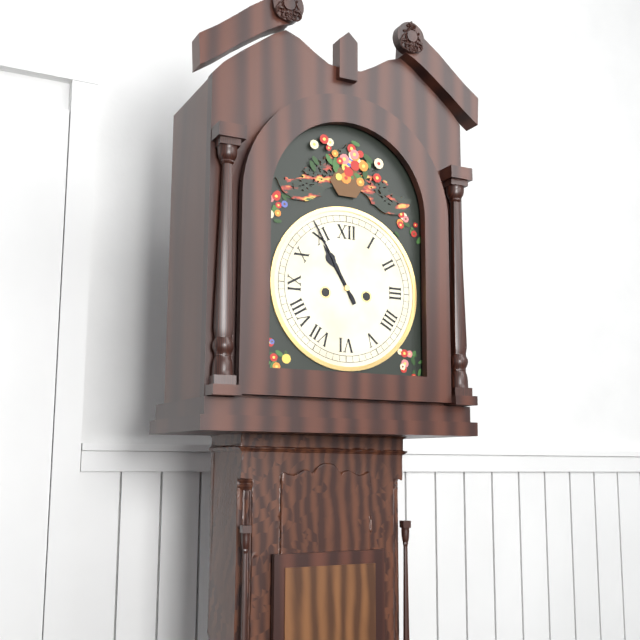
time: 10:55
